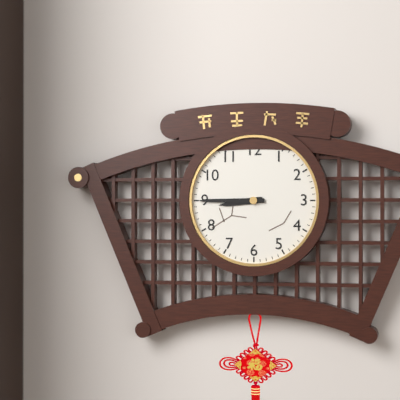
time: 8:45
